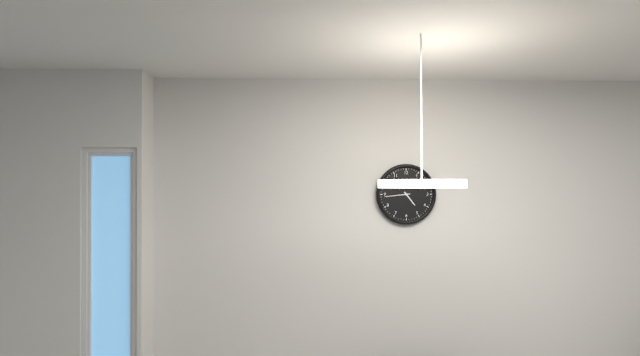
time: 4:44
